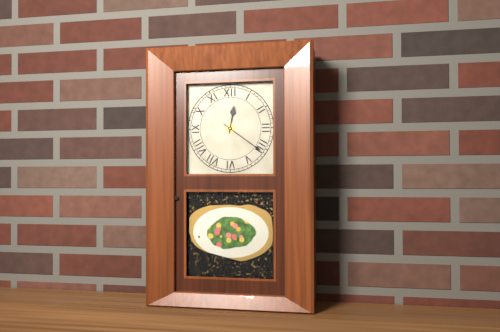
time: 12:21
